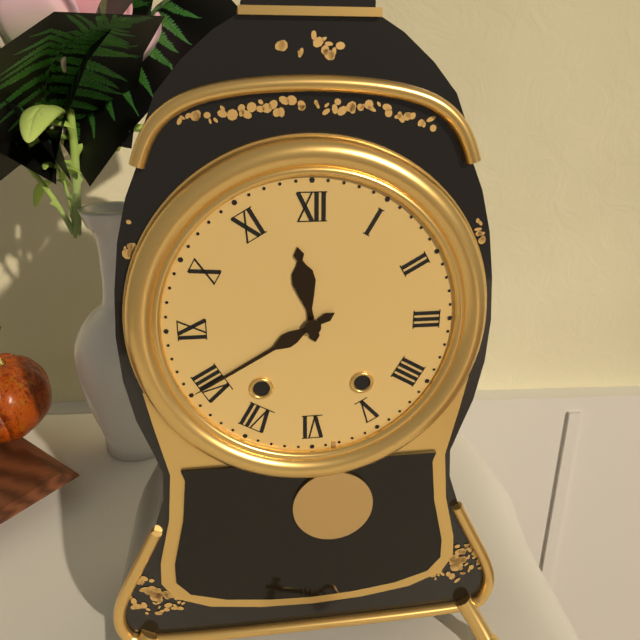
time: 11:40
